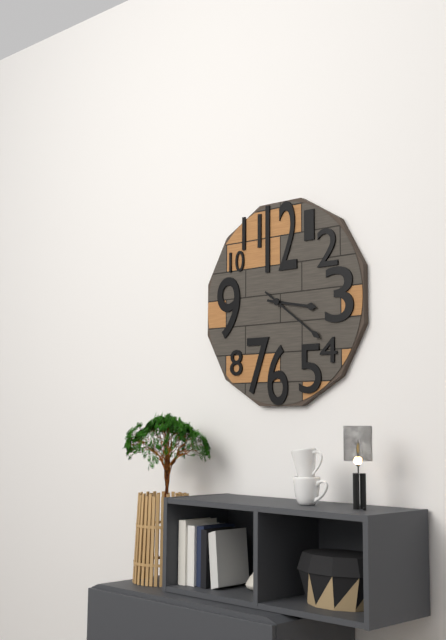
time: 3:21
